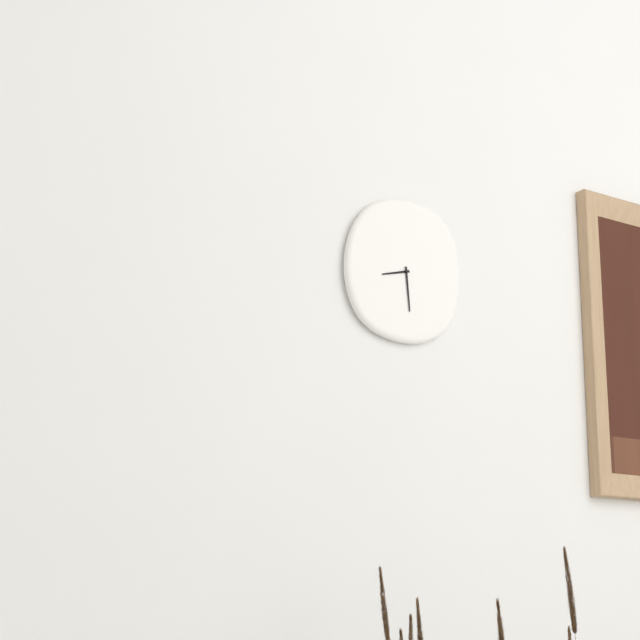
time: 8:29
